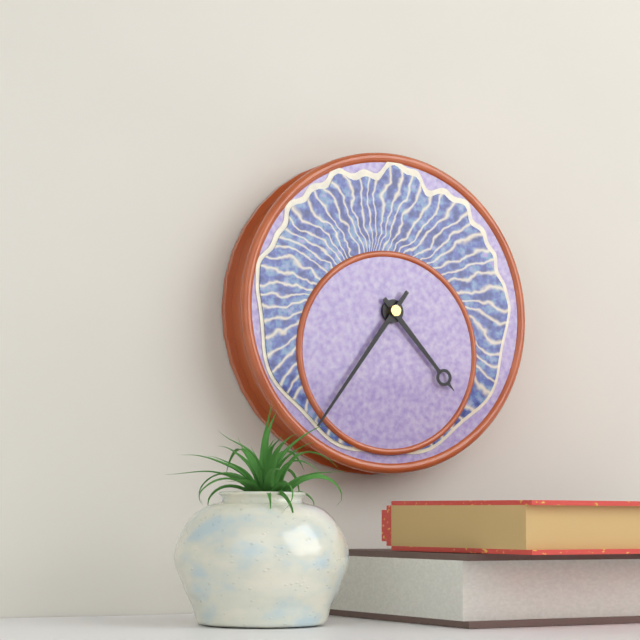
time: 4:36
